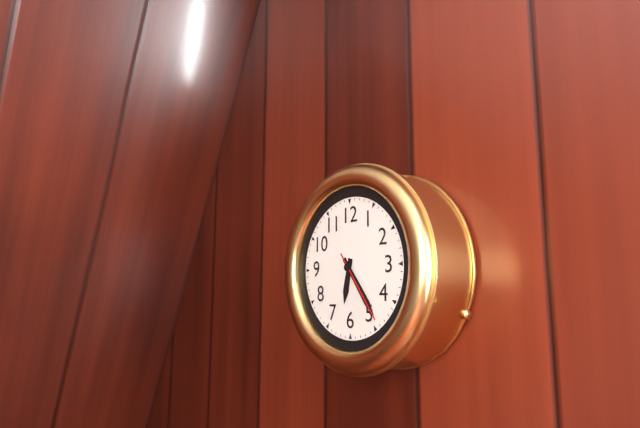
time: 6:24:24
